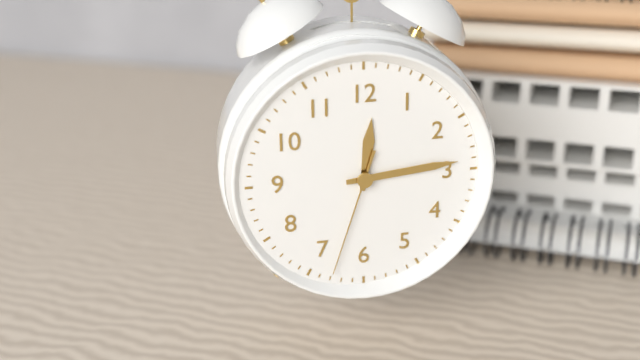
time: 12:14:33
